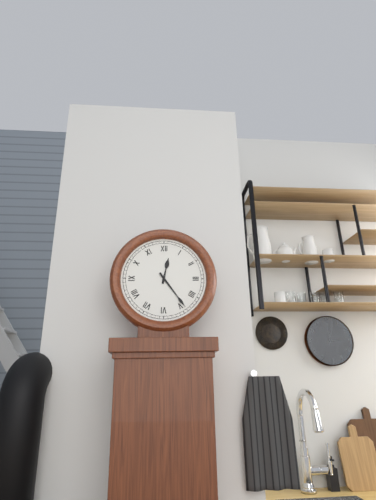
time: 12:24
